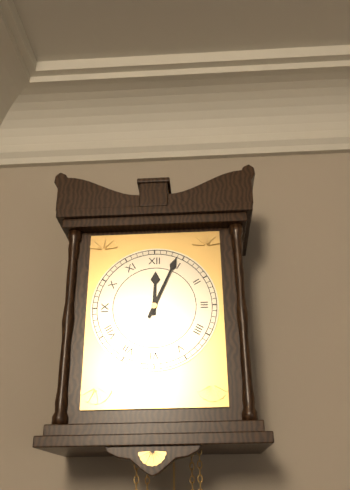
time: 12:04
